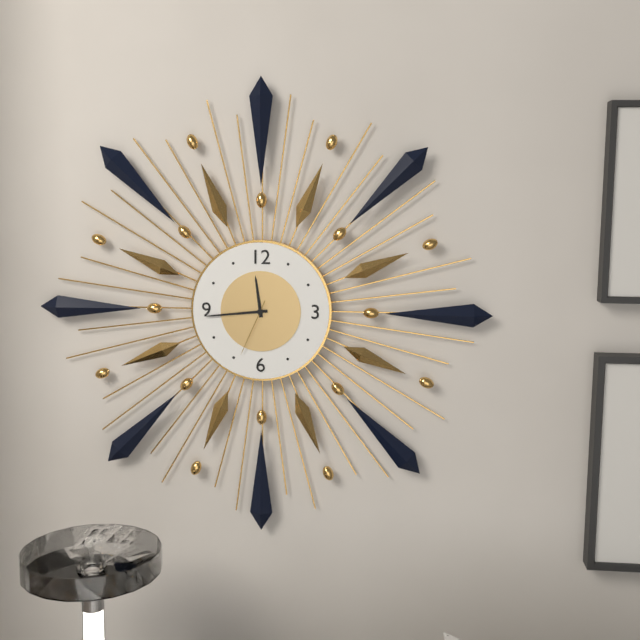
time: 11:44:34
